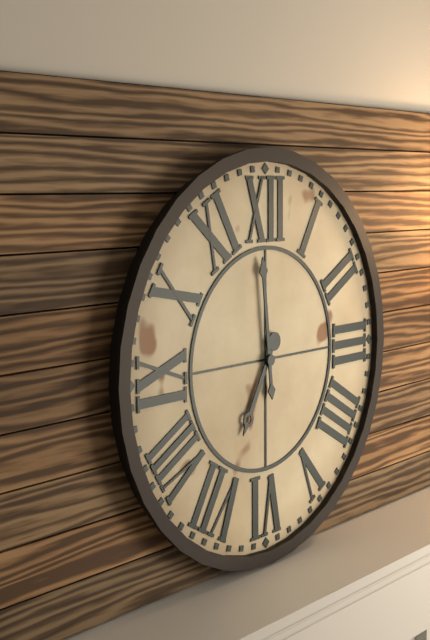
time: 6:59
